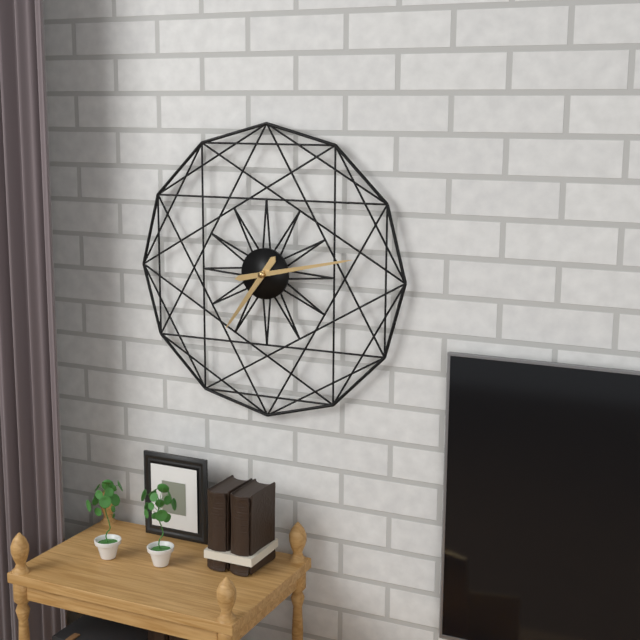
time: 7:13
